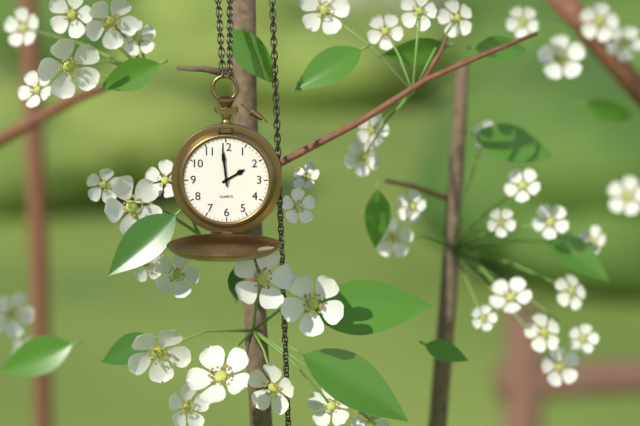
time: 1:59
